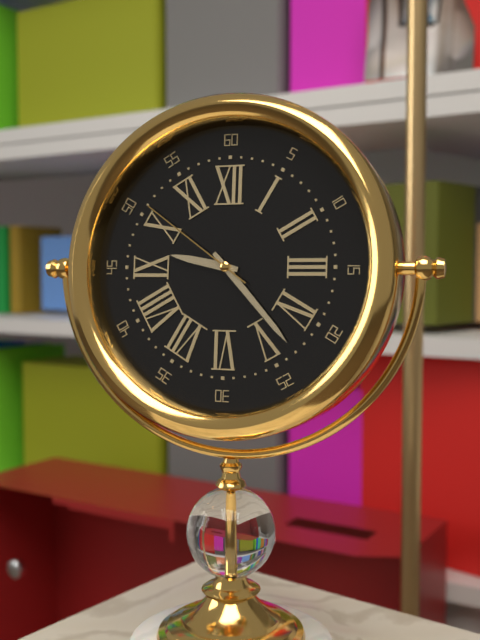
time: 9:23:51
